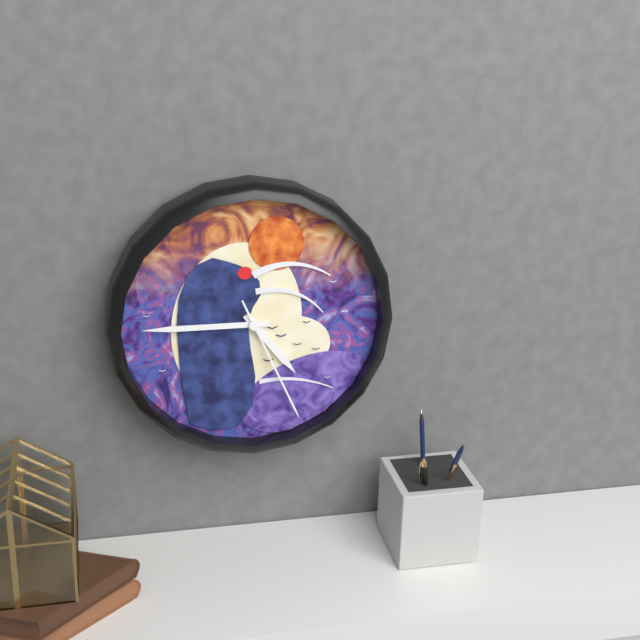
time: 4:45:26
